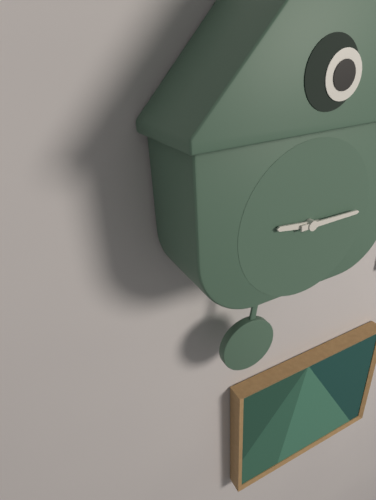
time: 9:15
